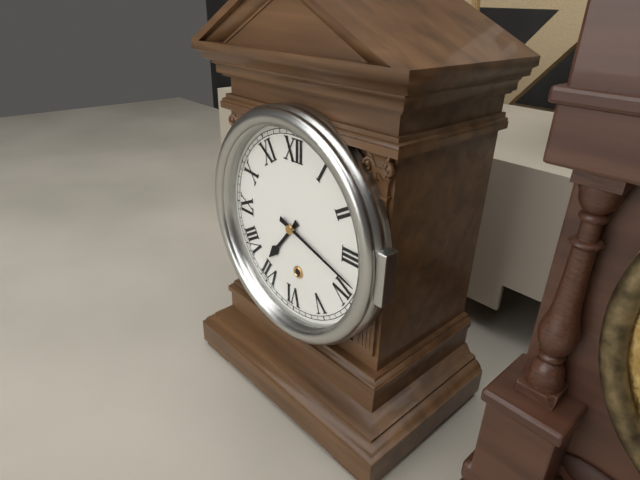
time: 7:18
